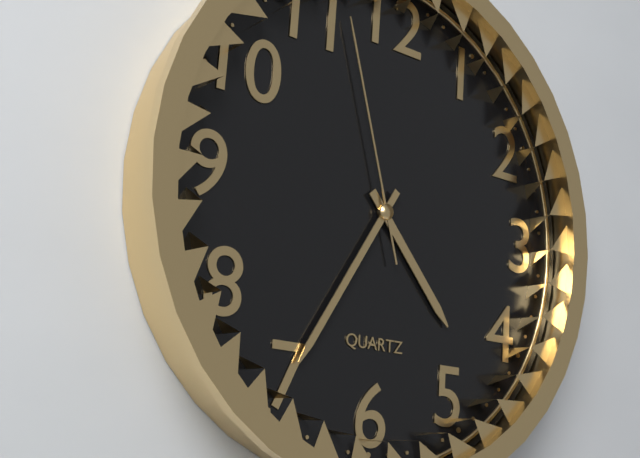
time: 4:35:57
